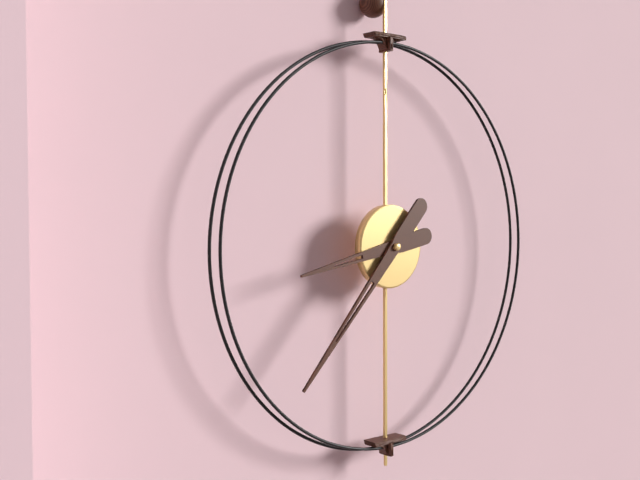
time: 8:37
